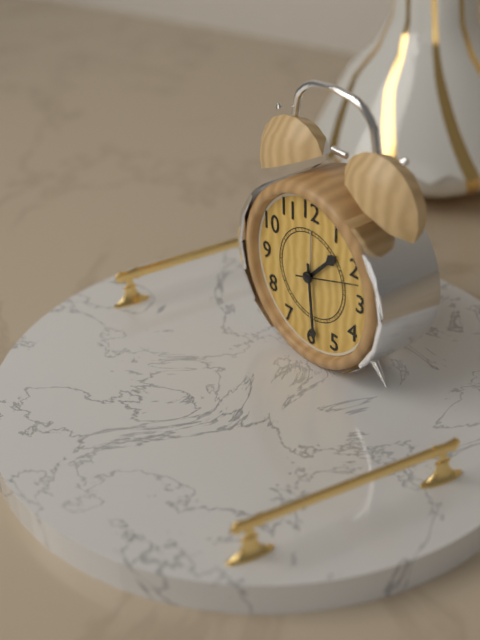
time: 1:29:12
